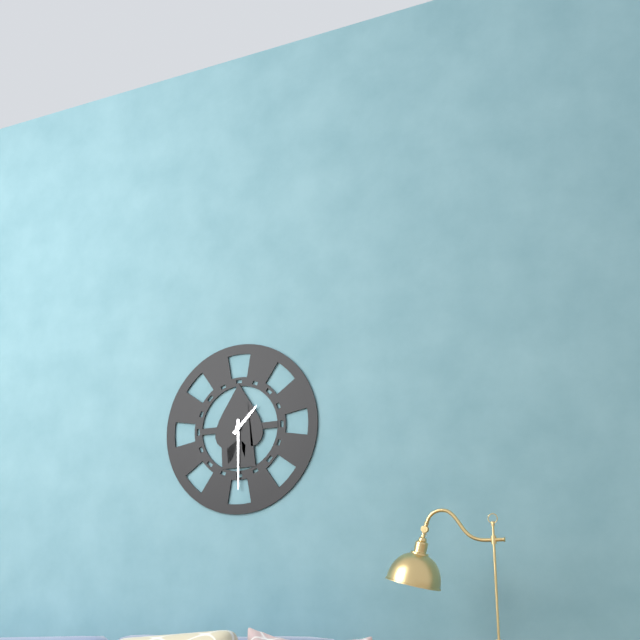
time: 1:30
